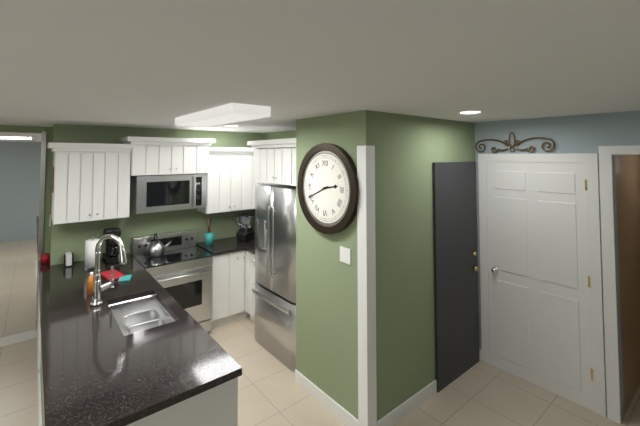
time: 2:41
